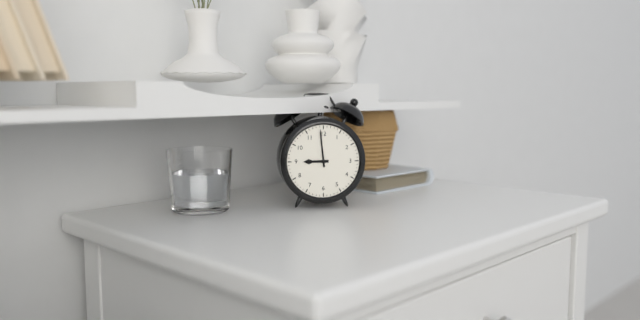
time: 8:59
